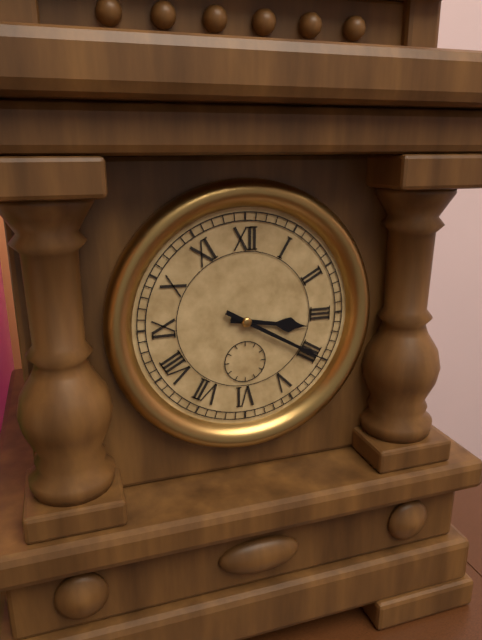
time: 3:20
